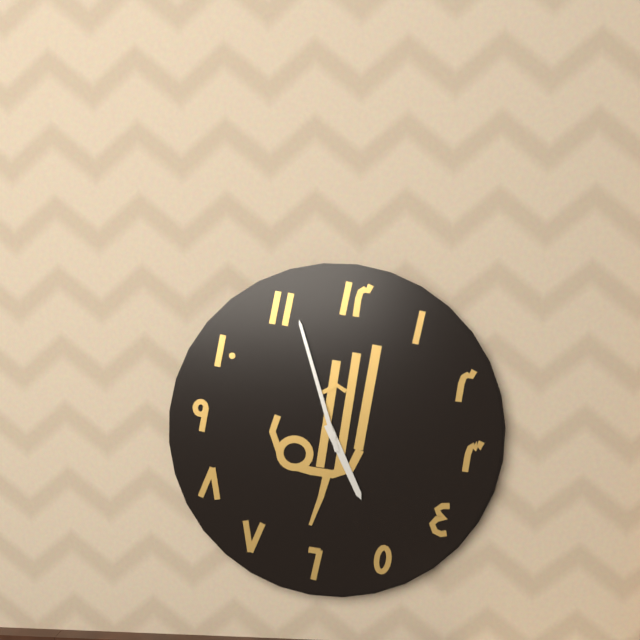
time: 4:56
